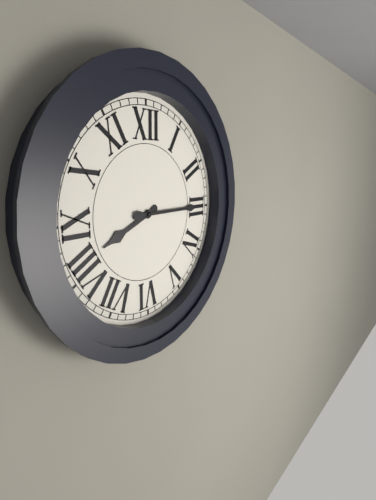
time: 8:15
